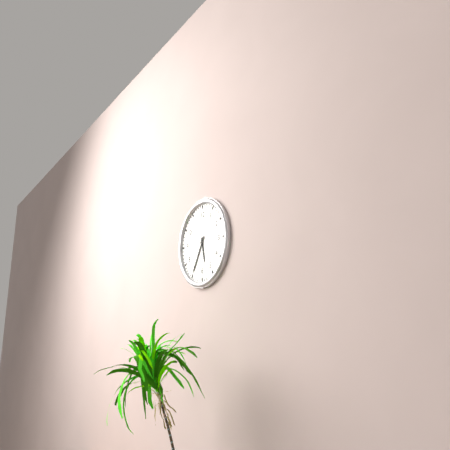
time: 5:35
